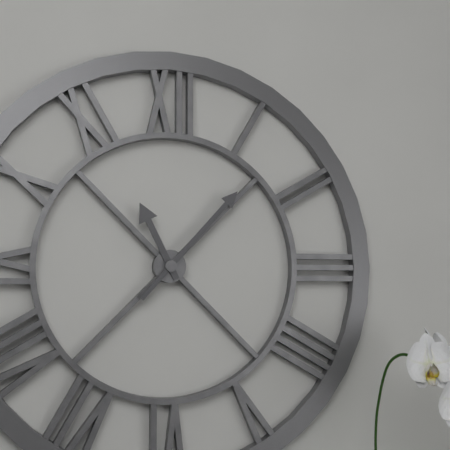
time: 11:07
